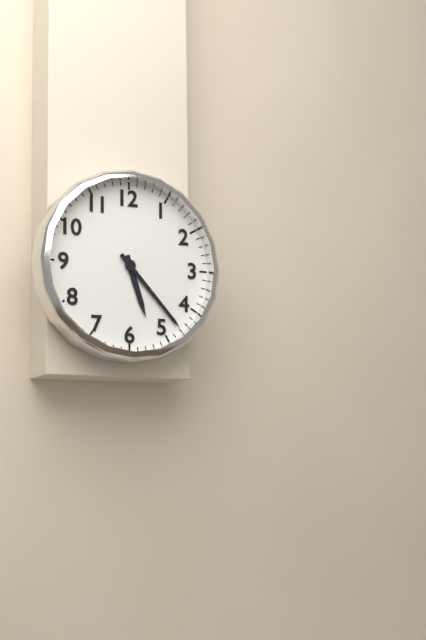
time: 5:23
